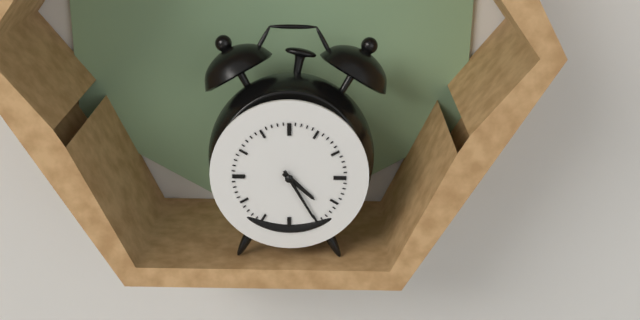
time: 4:25
